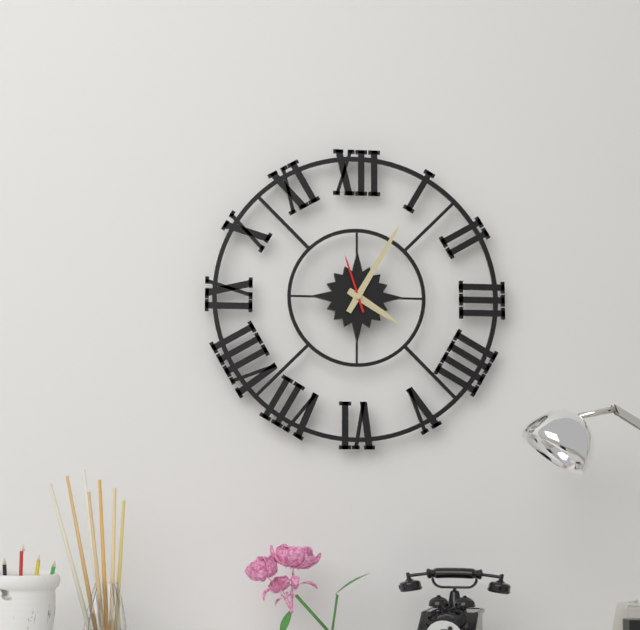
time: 4:05:57
